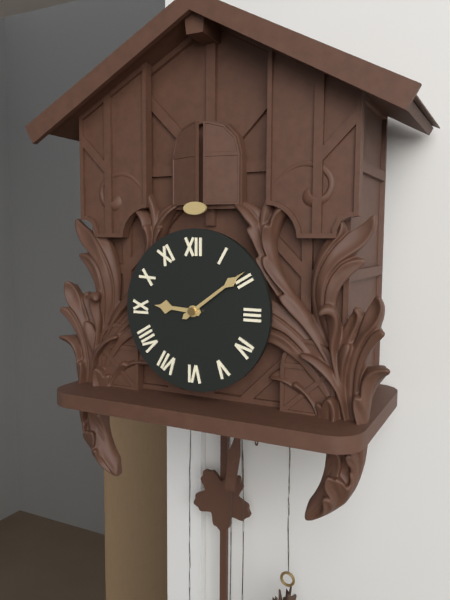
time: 9:09
